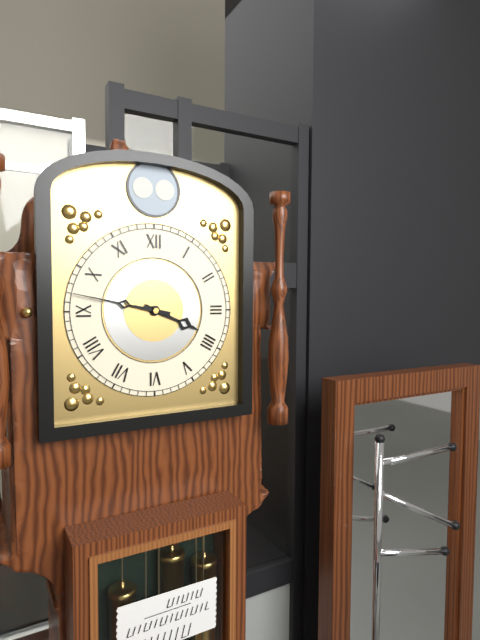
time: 3:47
